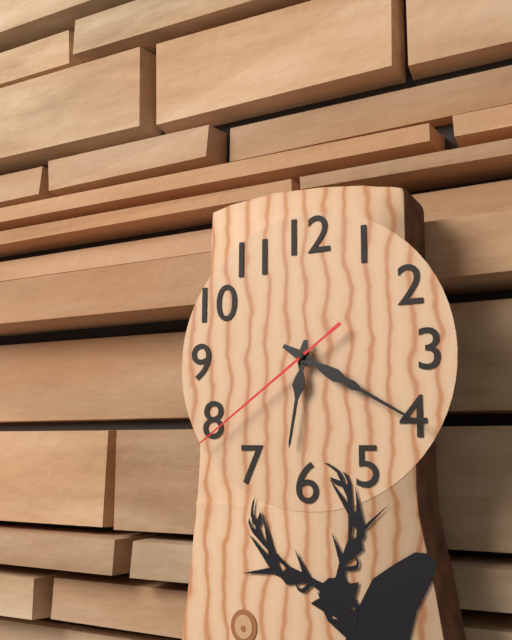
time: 6:20:39
